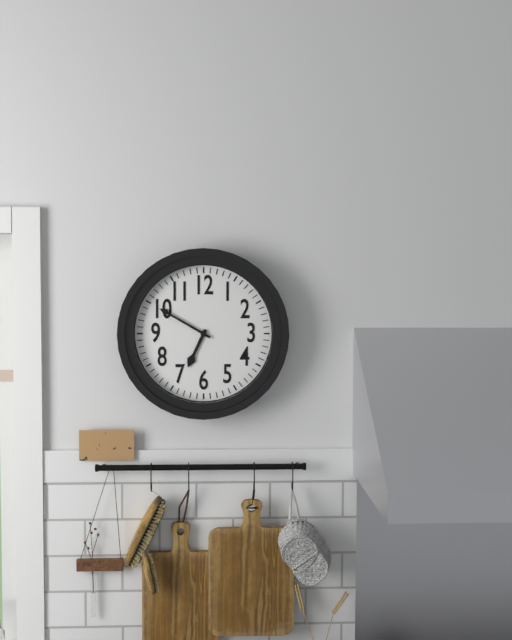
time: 6:50
